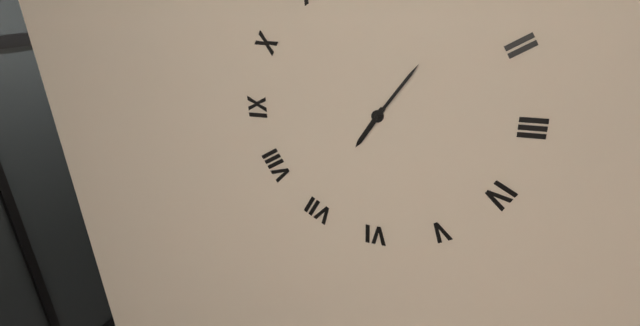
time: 7:06
